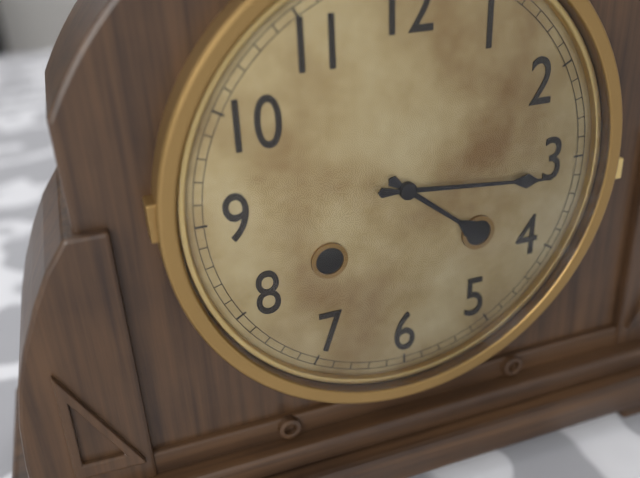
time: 4:16
